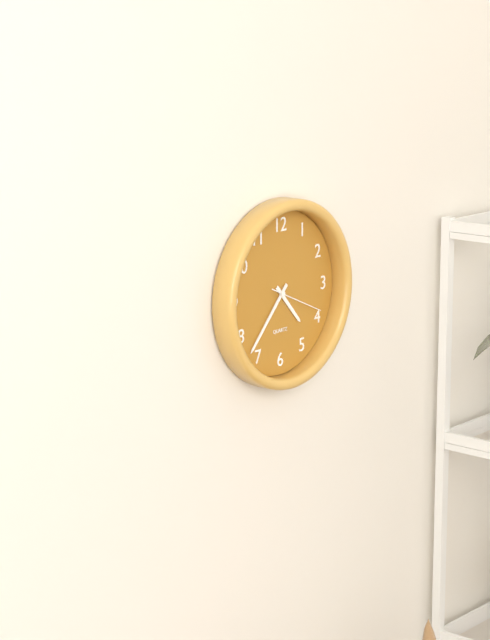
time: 4:37:19
